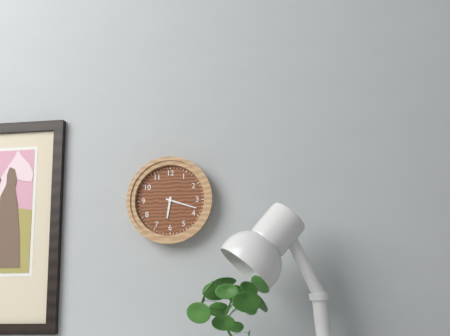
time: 6:18
